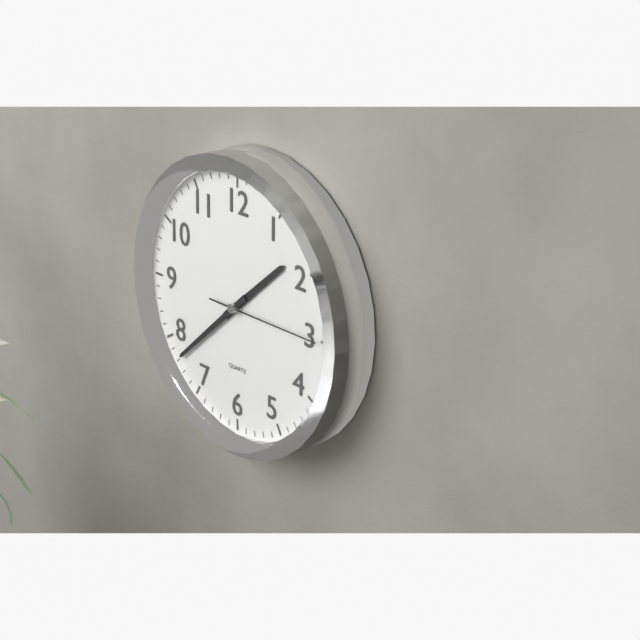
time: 1:38:15
